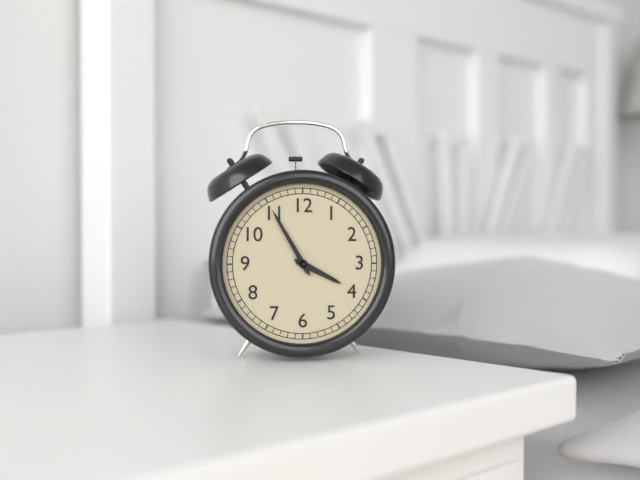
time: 3:55
